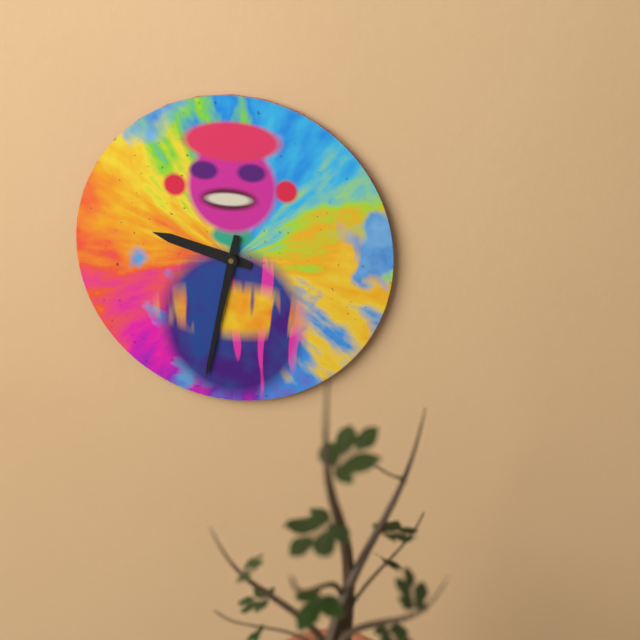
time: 9:32
